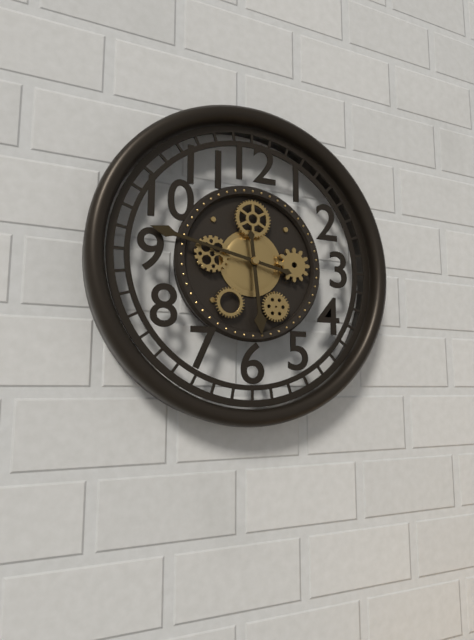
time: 5:47
